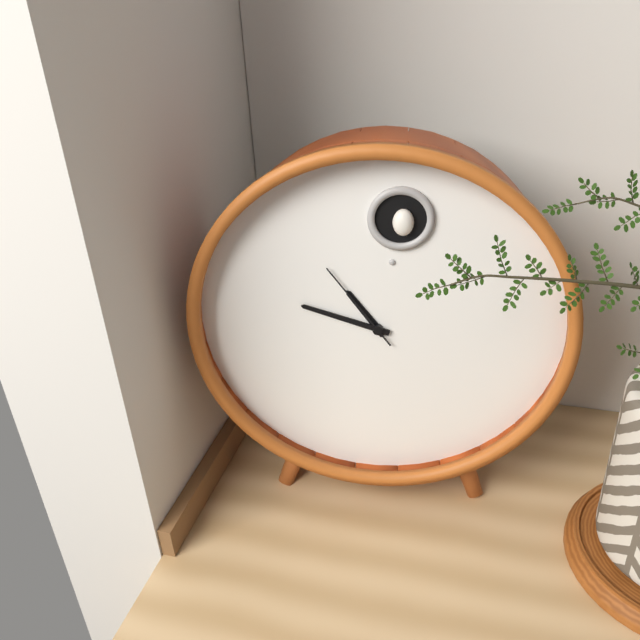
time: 10:48:54
